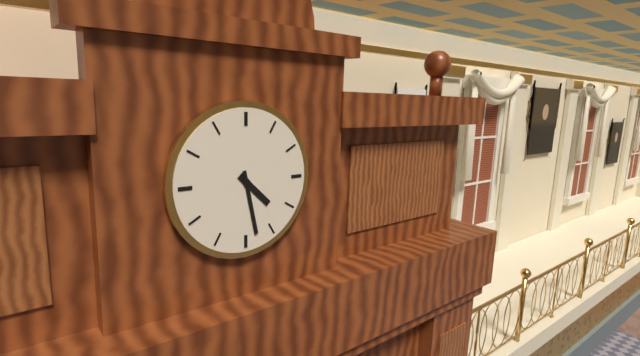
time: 4:28
